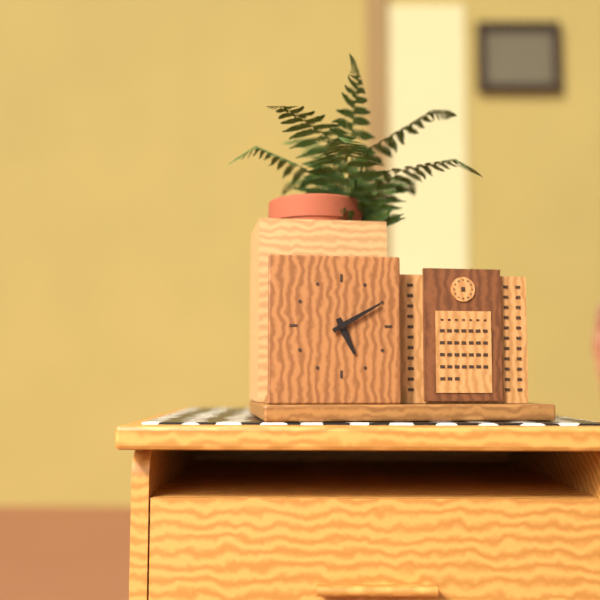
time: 5:10
